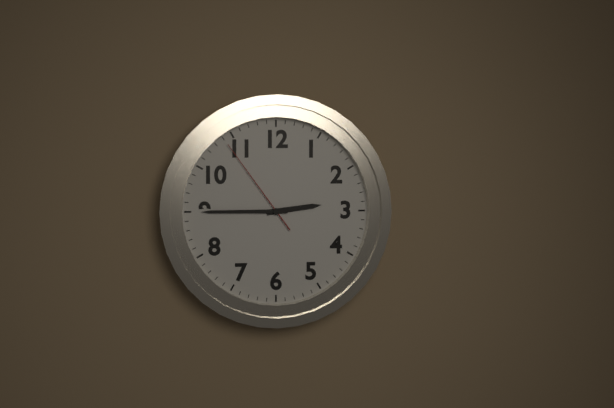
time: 2:45:54
